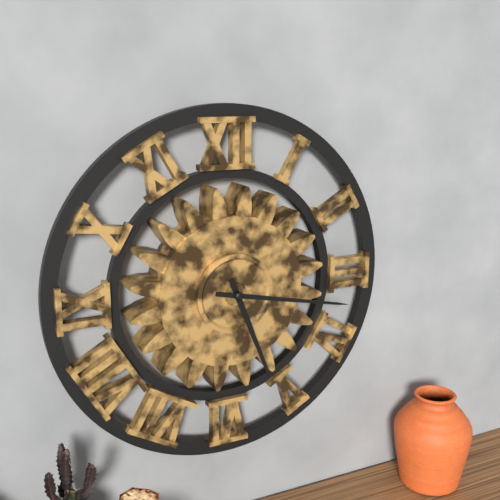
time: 5:17
